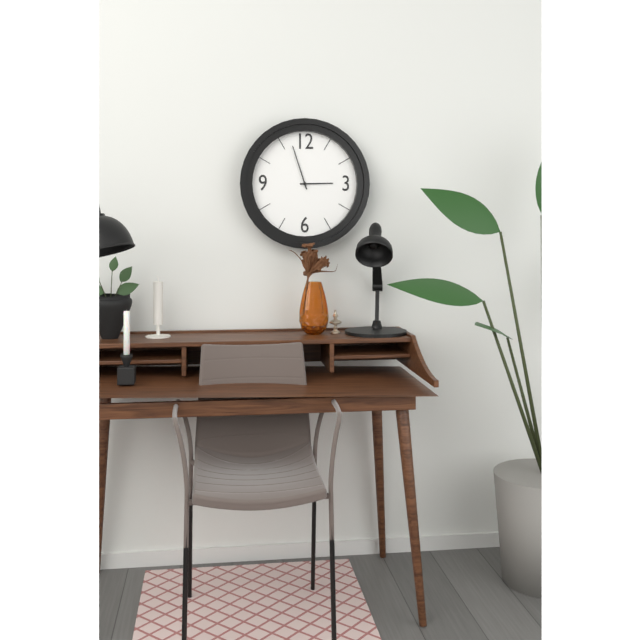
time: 2:57
